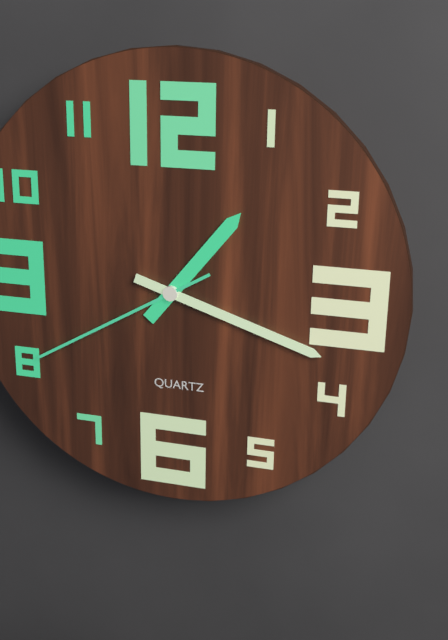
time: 1:18:40
